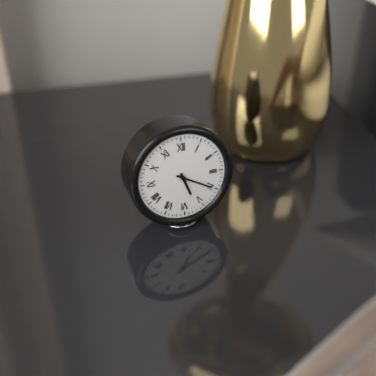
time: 5:20
